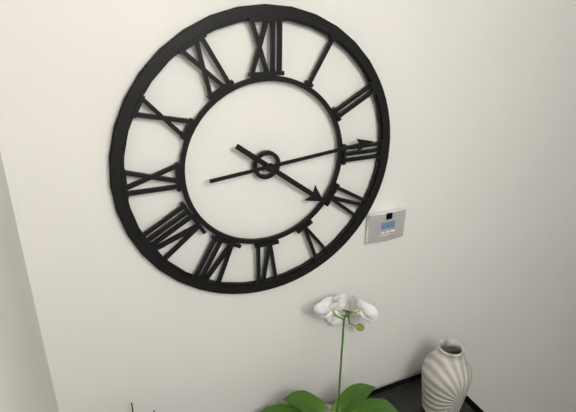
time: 4:14
